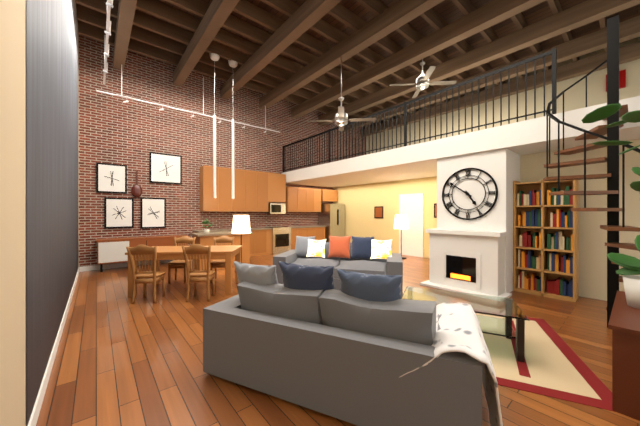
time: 4:51
